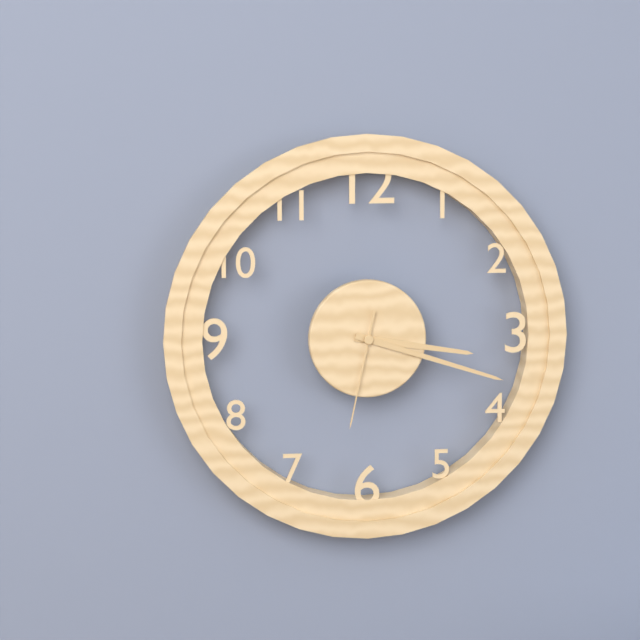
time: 3:18:32
